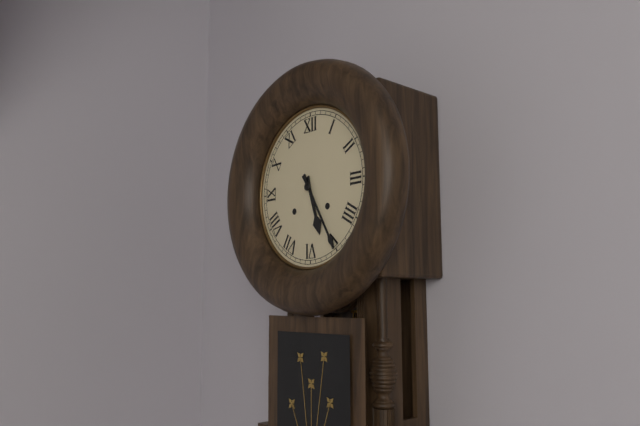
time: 5:25
